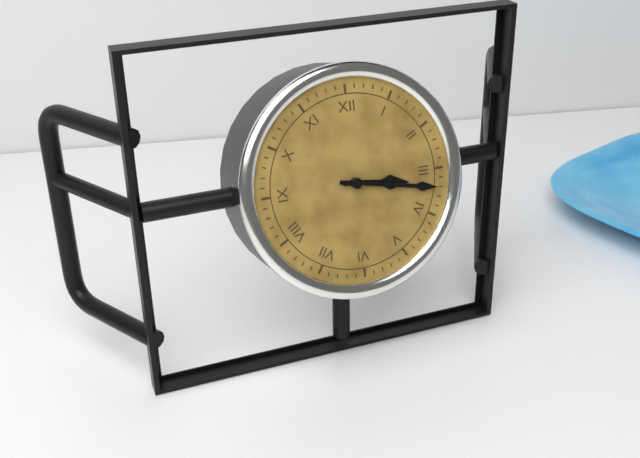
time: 3:17
